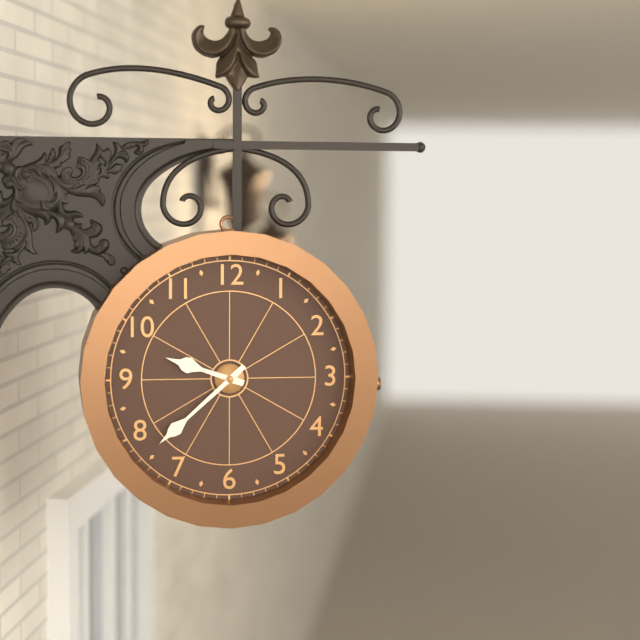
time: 9:38
